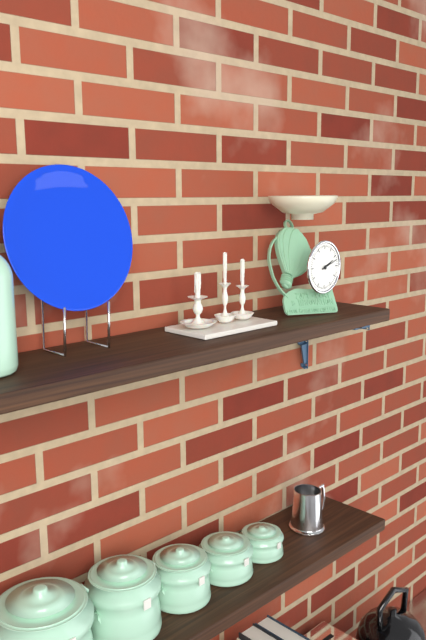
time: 2:12
